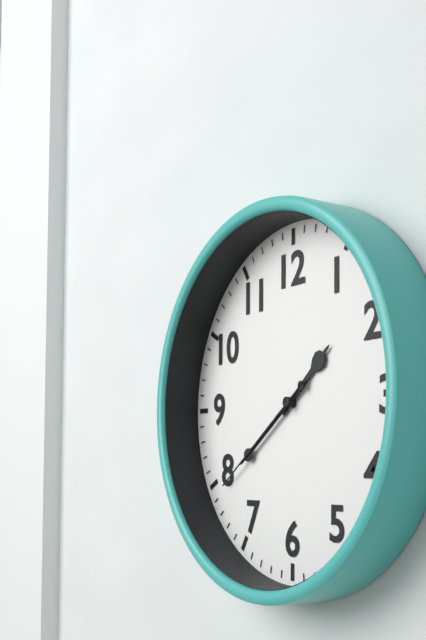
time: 1:39:39
